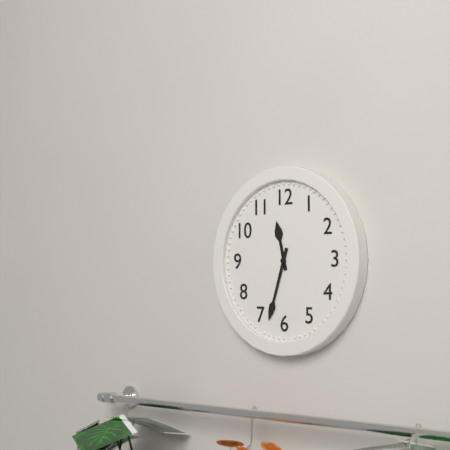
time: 11:33
